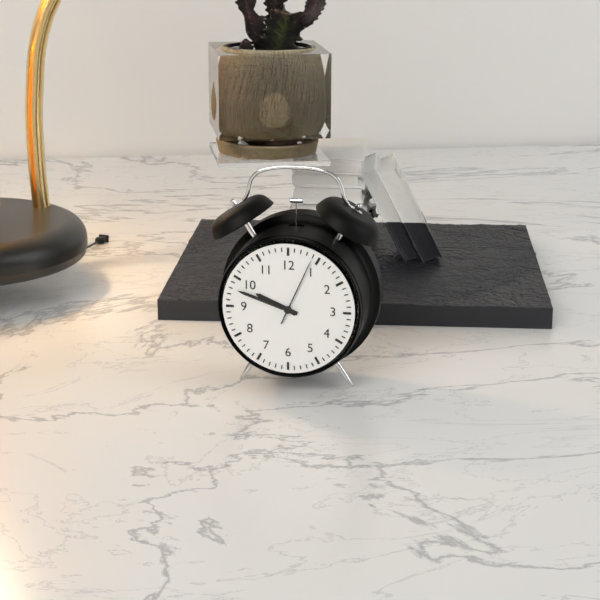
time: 9:48:04
